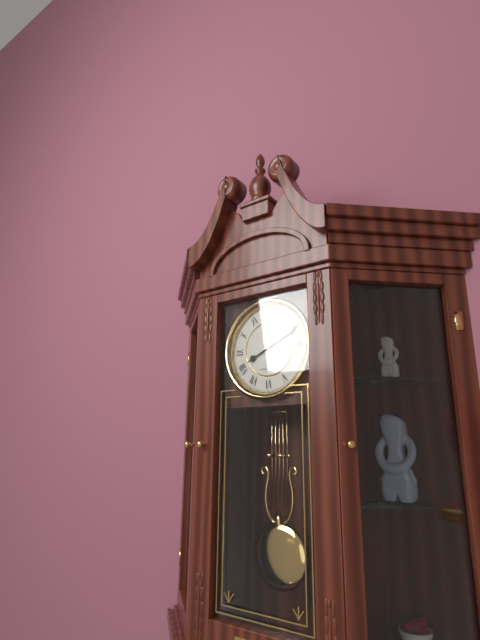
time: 8:11
